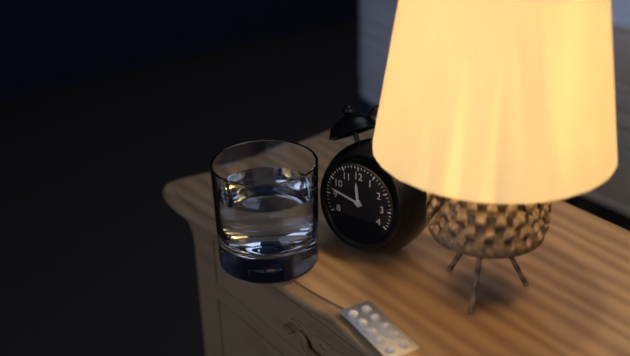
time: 11:47
